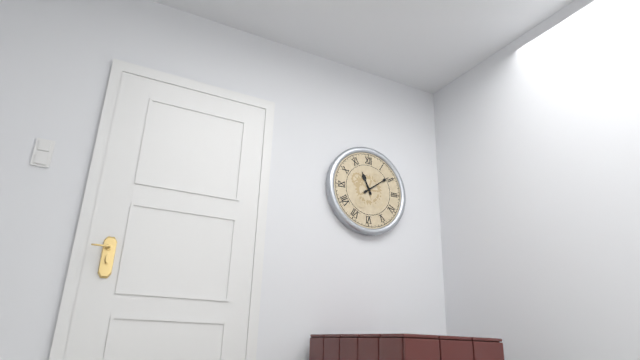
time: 11:09
